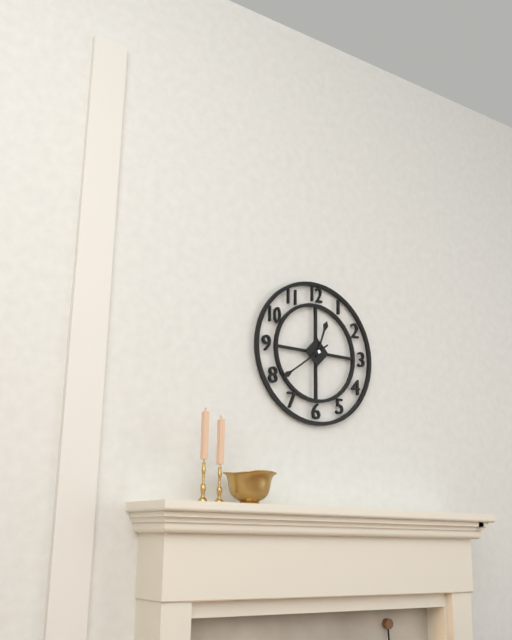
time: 12:39
